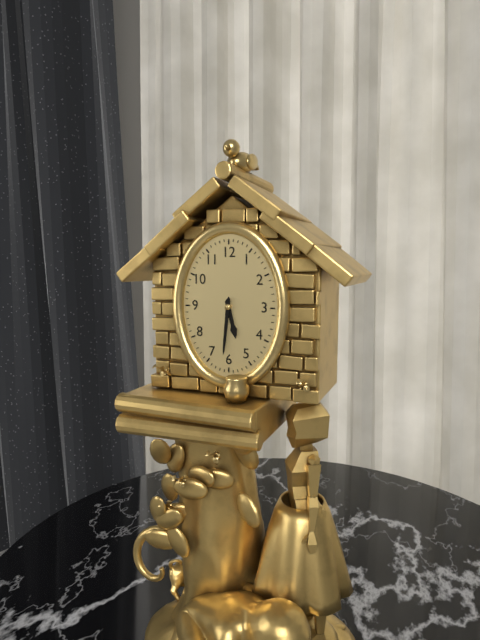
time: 5:31
